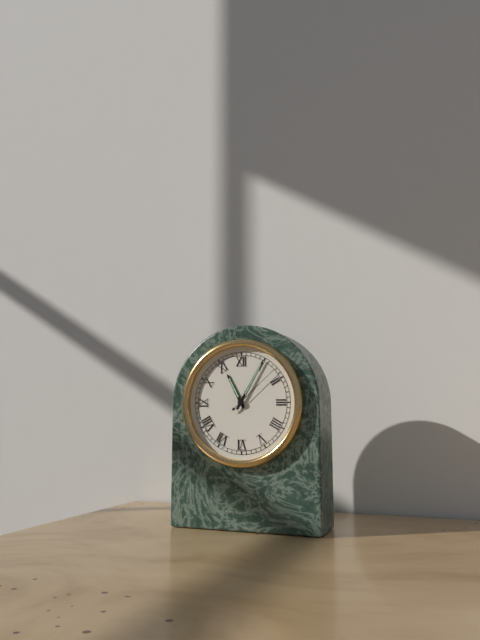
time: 11:05:08
